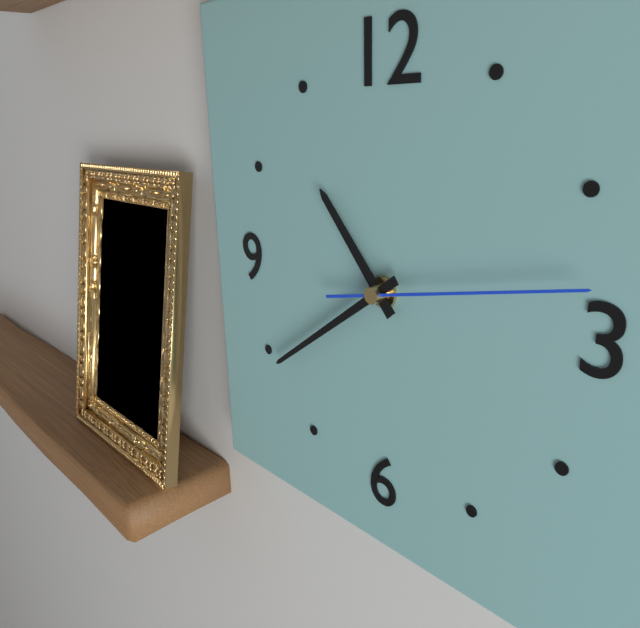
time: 10:39:13
